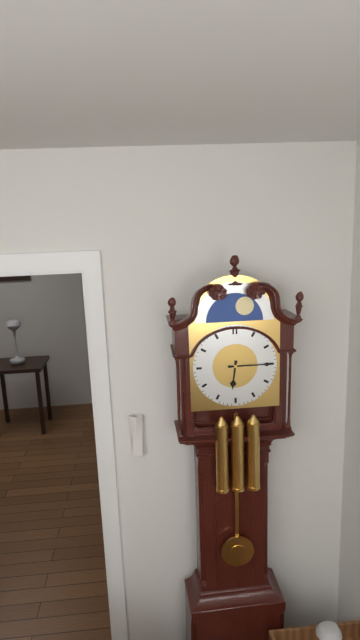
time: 6:15
